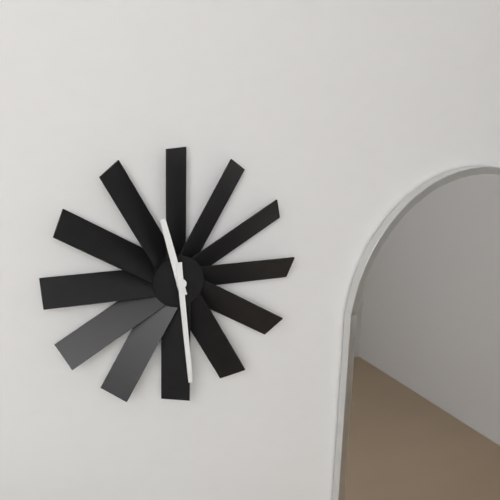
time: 11:29
